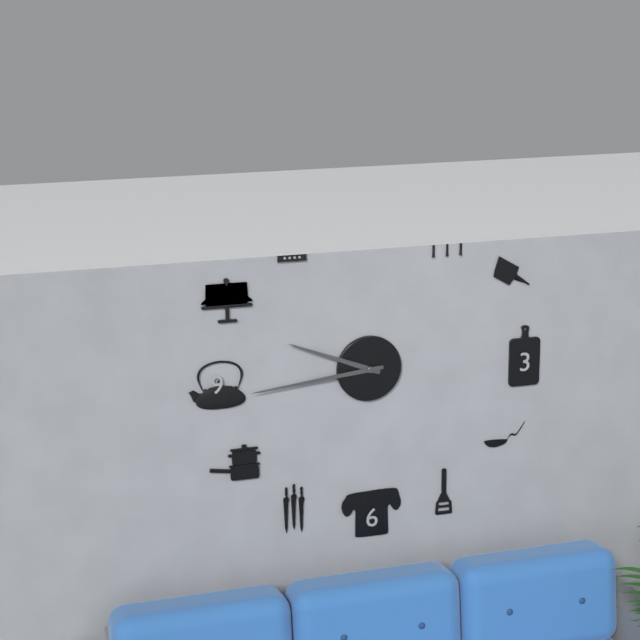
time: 9:44
